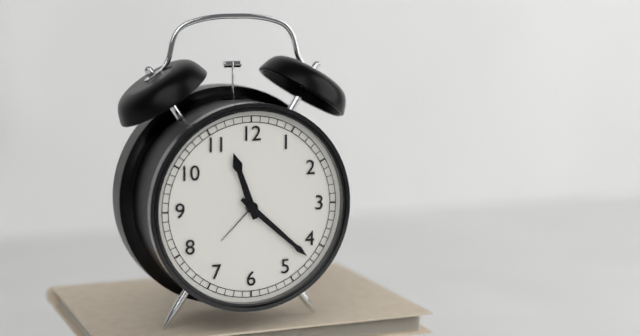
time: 11:22
